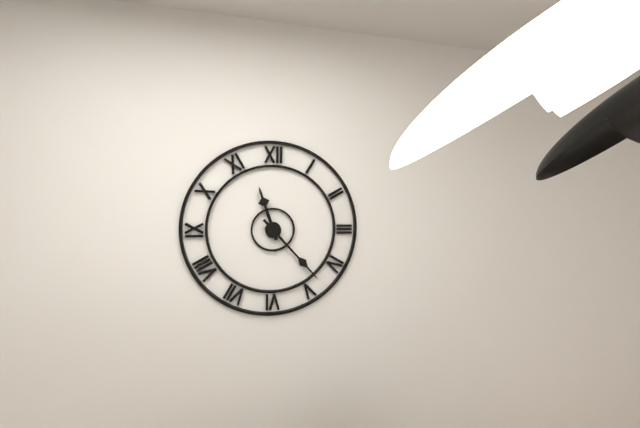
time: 11:23
